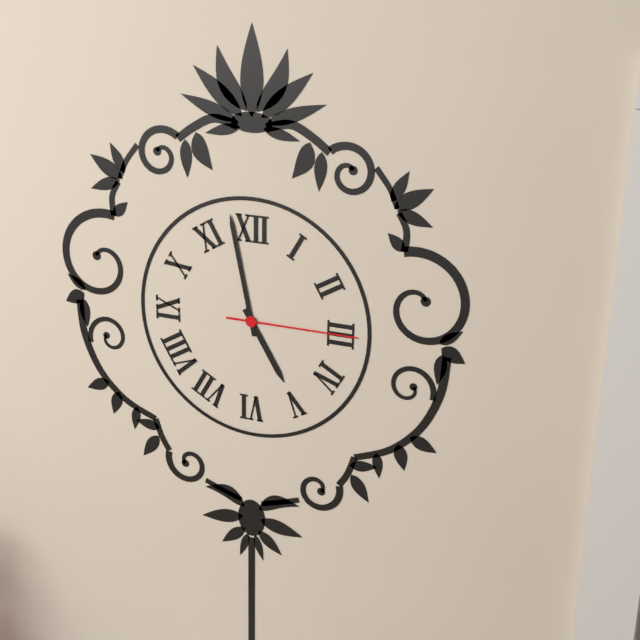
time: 4:58:15
